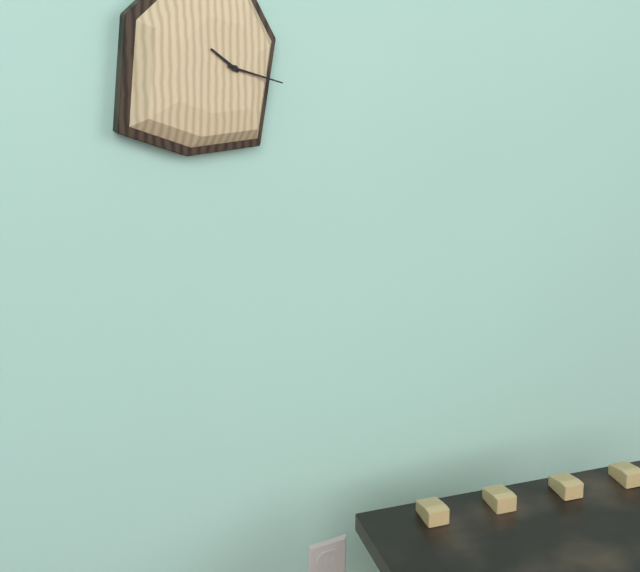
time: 10:18
